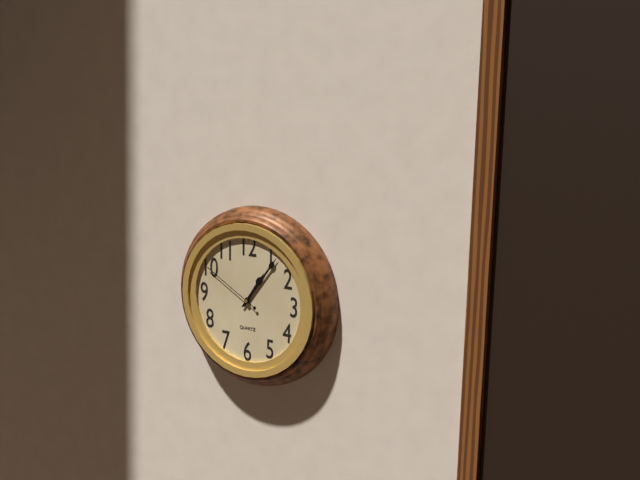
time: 1:06:50
